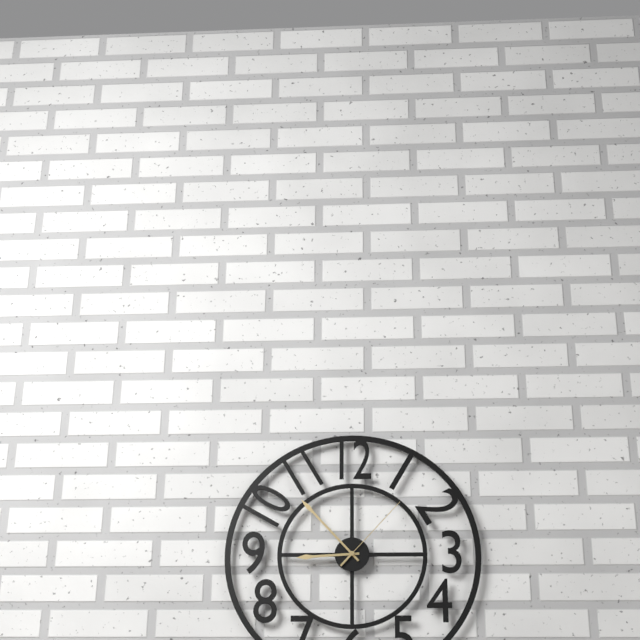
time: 8:53:07
